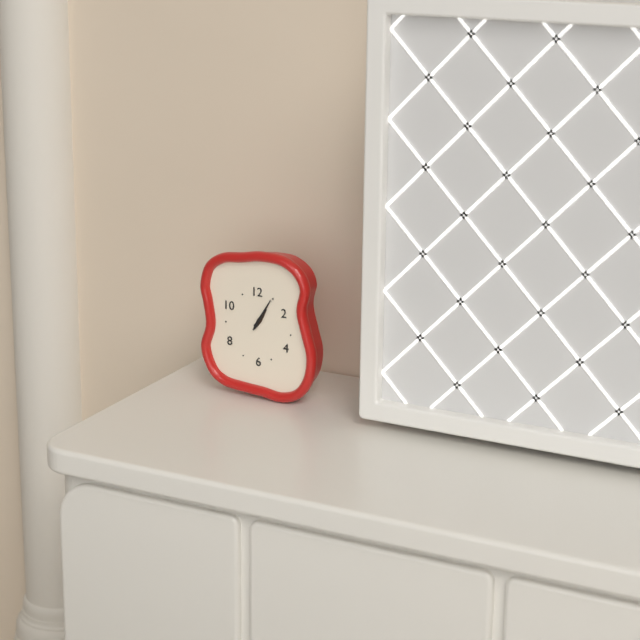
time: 1:05
